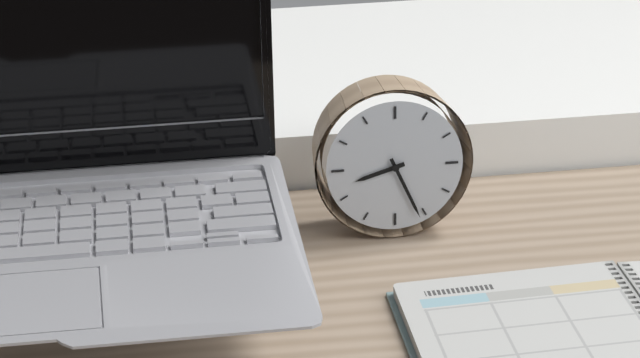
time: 8:26
